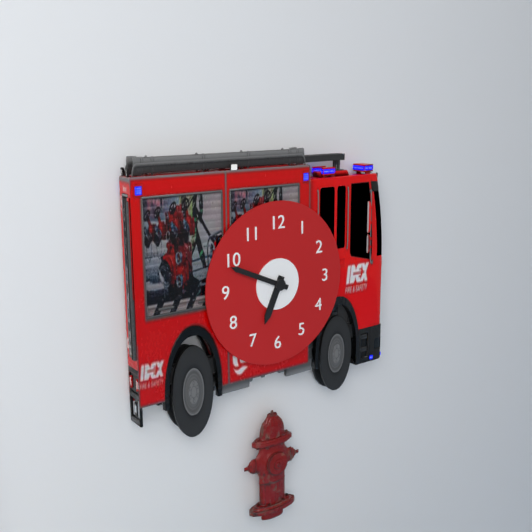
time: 6:49
